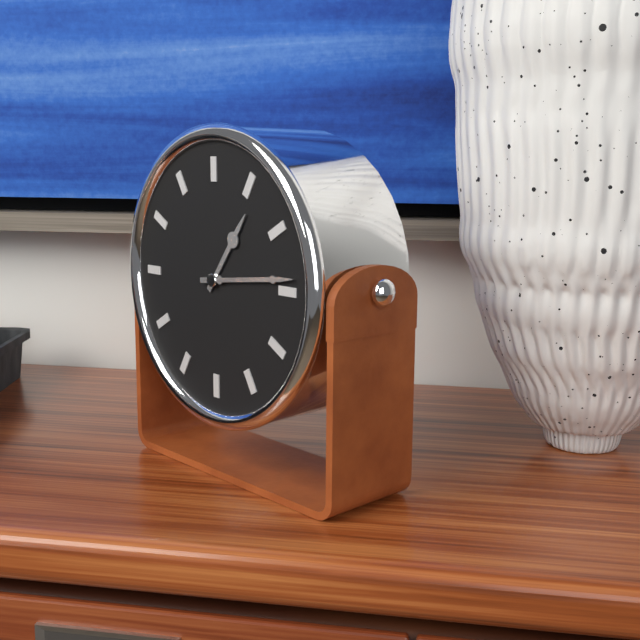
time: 1:14
